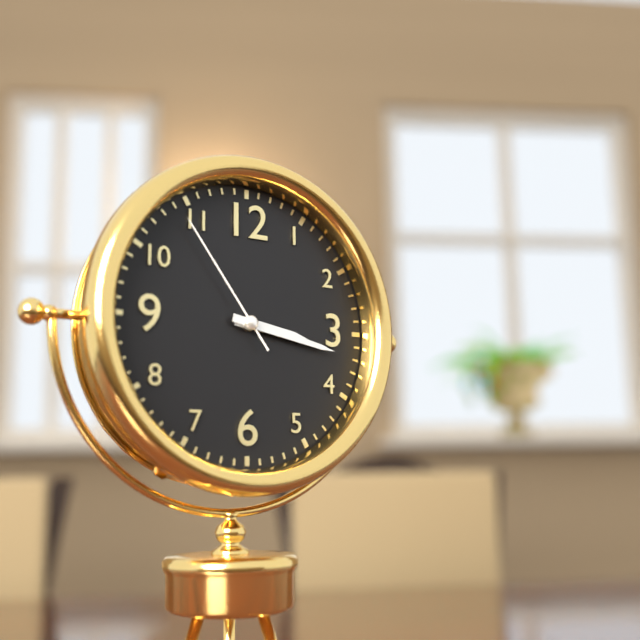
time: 3:17:54
